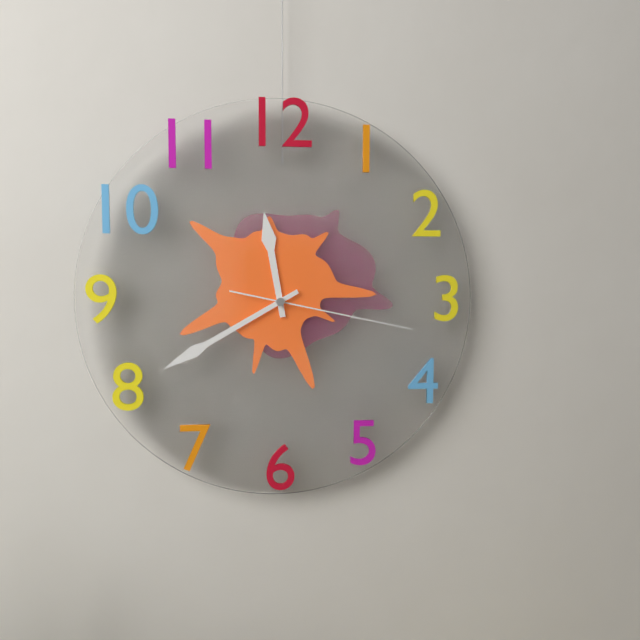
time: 11:40:17
